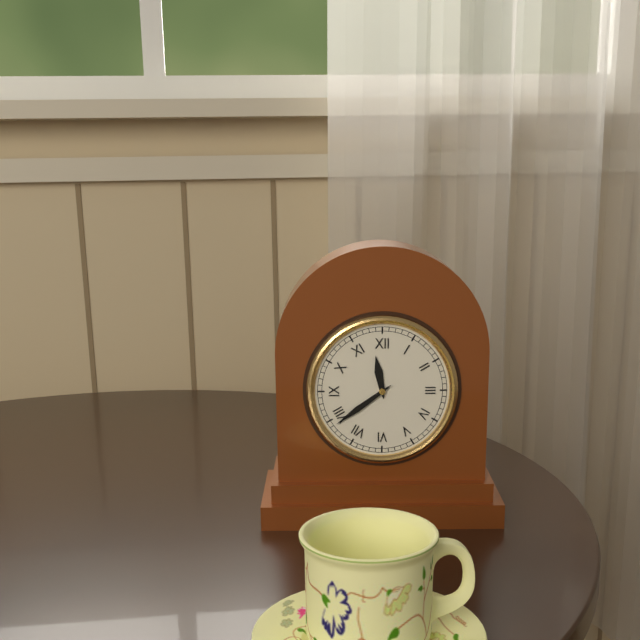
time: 11:39
